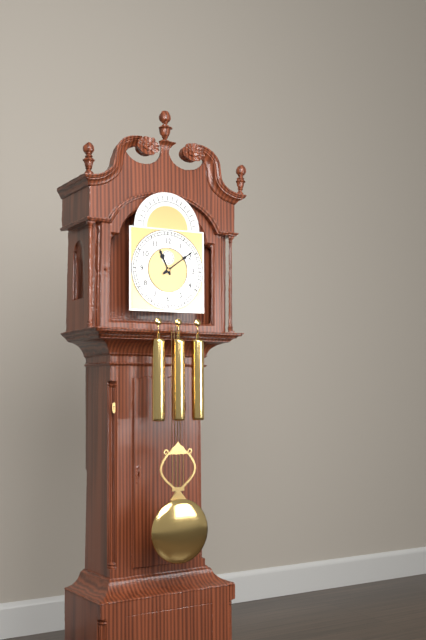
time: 11:09
